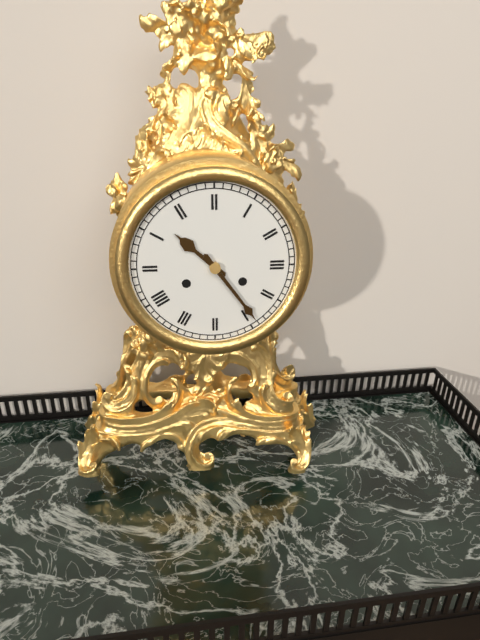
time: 10:24
